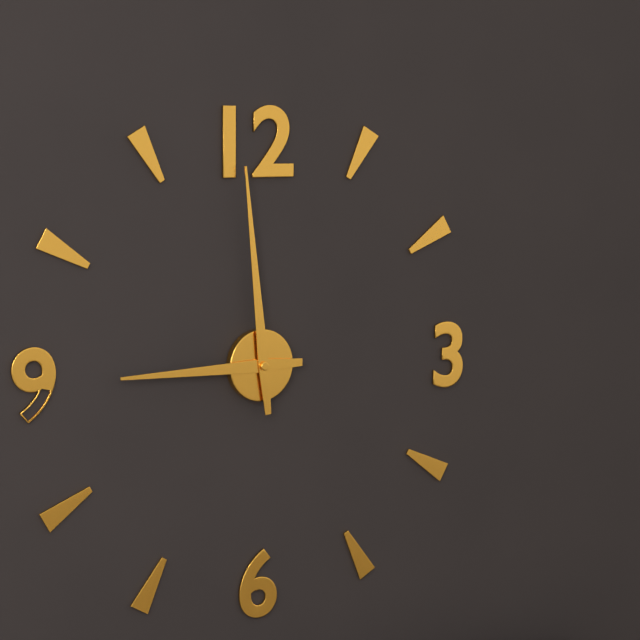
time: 8:59
